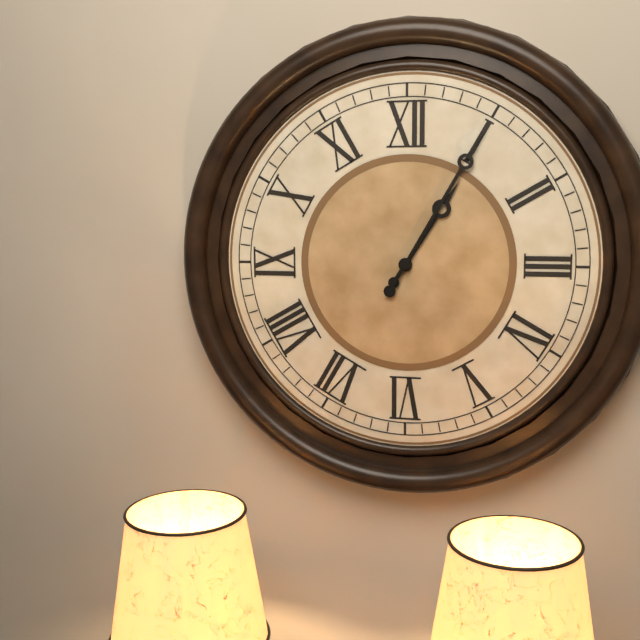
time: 1:05
